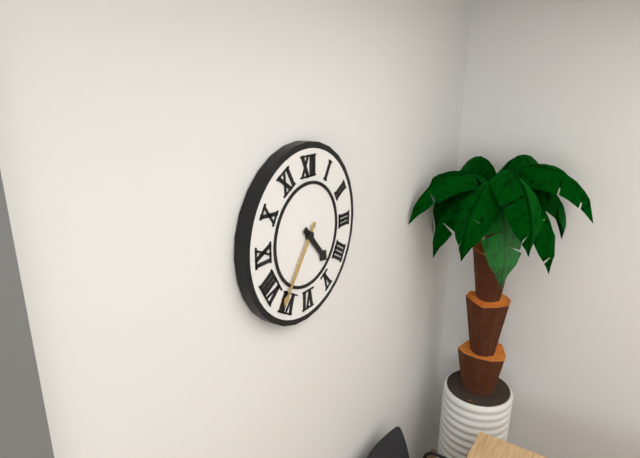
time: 4:36
